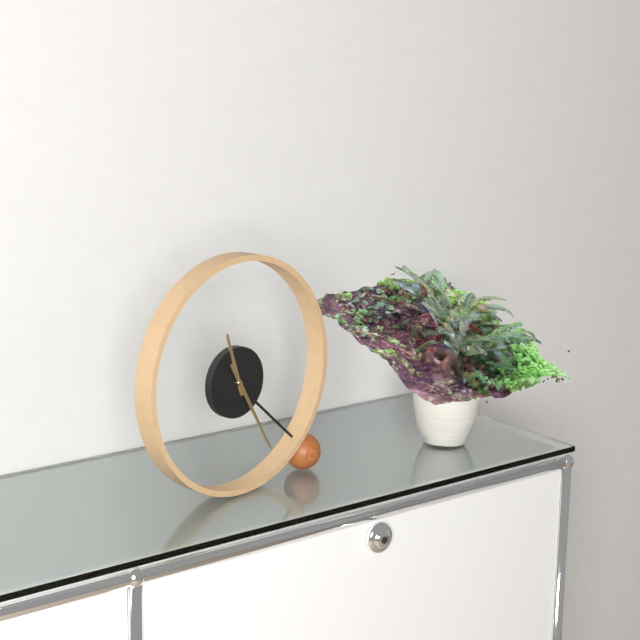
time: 11:25
